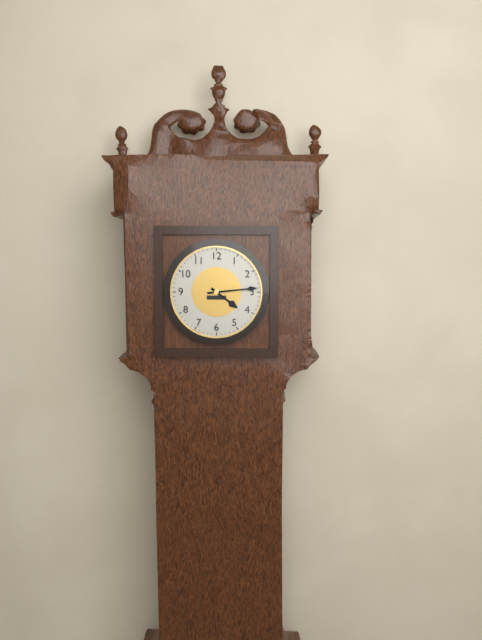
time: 4:14
